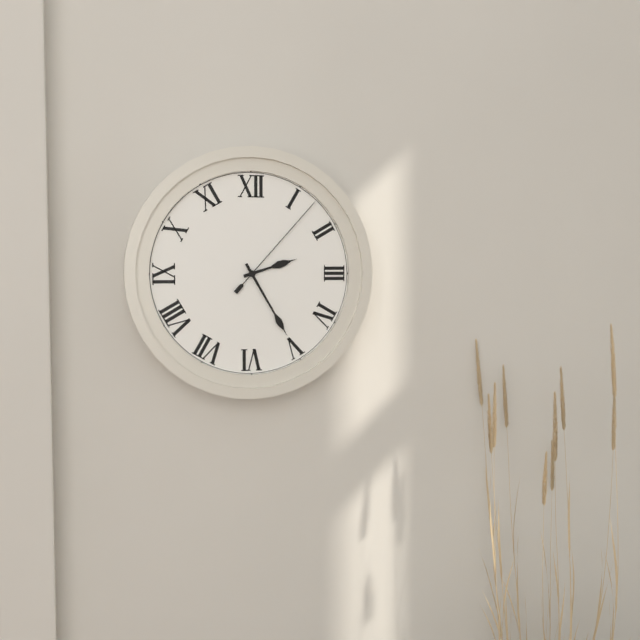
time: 2:25:07
